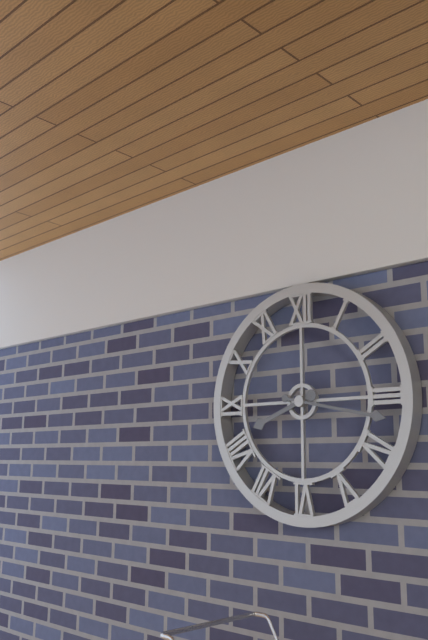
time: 8:17
